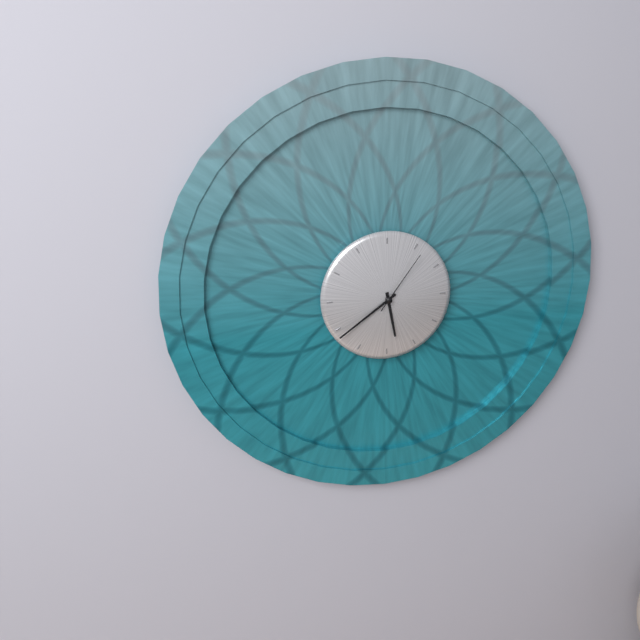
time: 5:39:06
